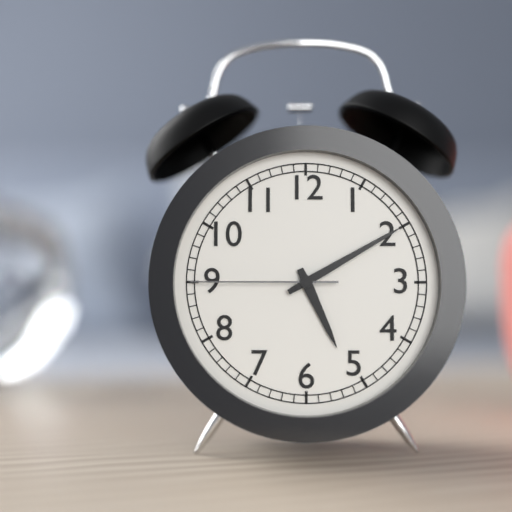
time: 5:10:45
